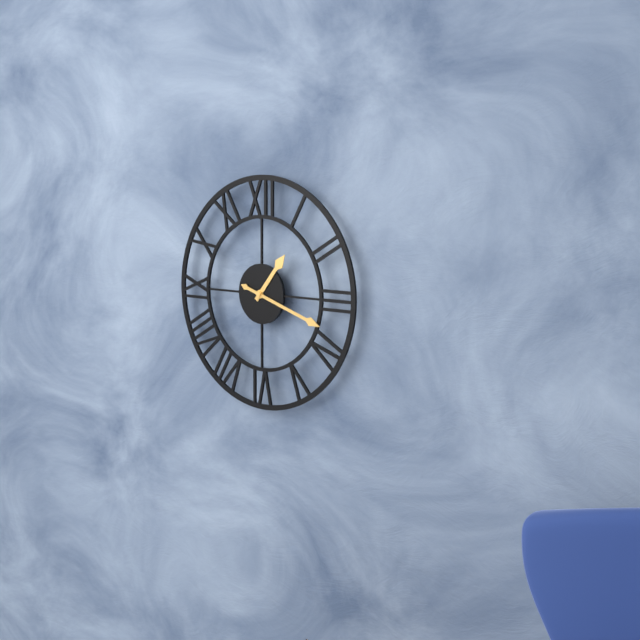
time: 1:18
